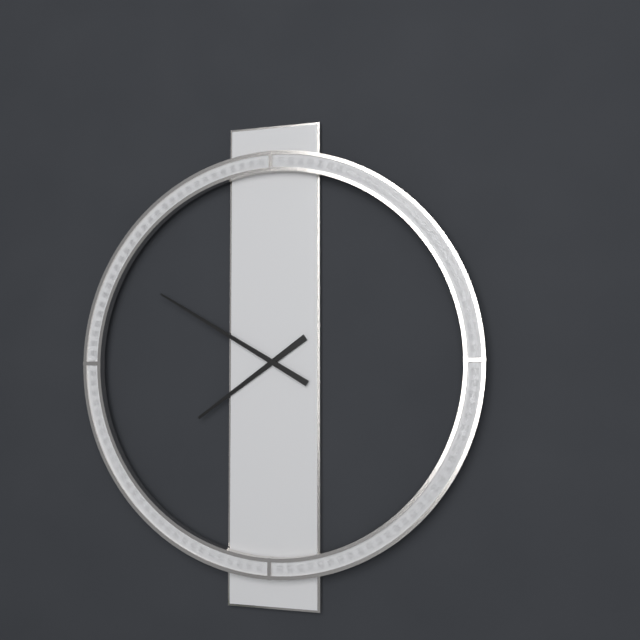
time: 7:50
